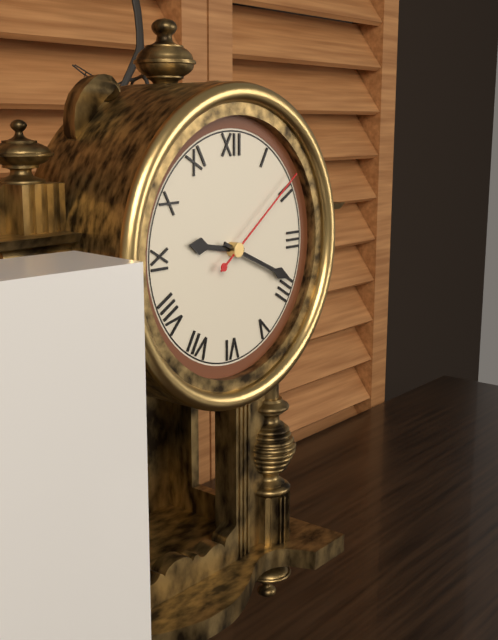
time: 9:19:09
